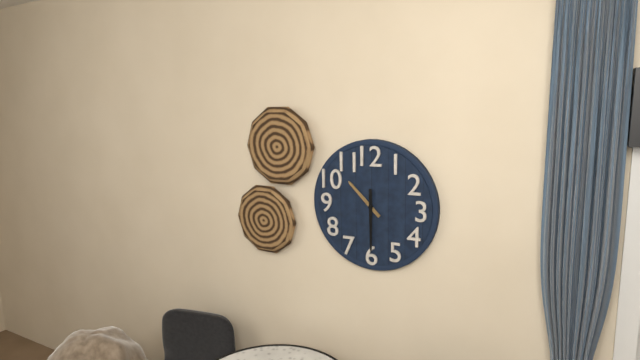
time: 10:30
